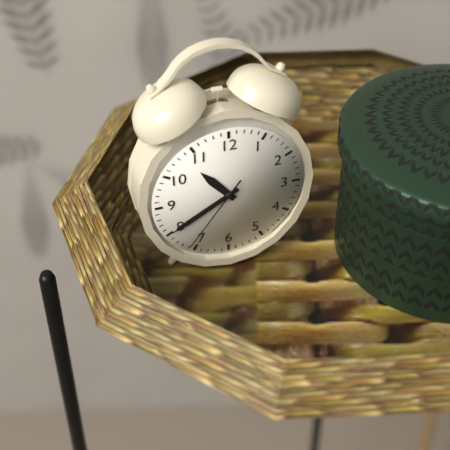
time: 10:40:36
